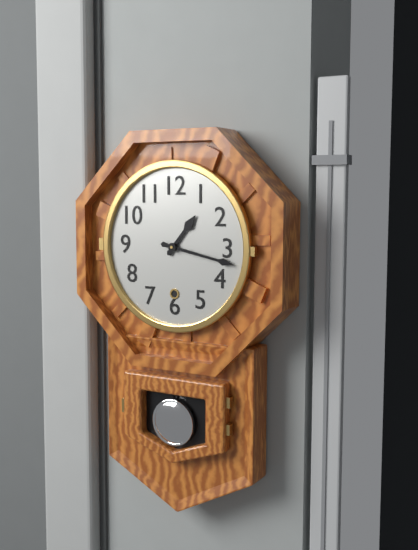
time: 1:17
